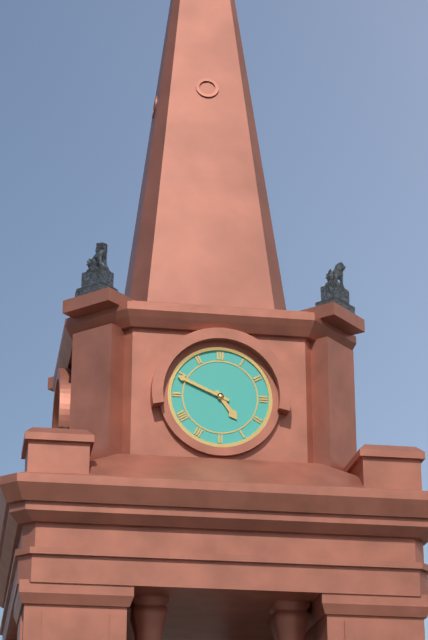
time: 4:49
